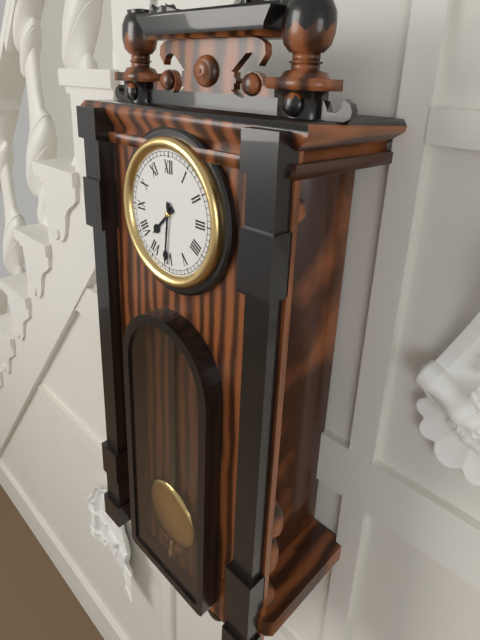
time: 7:31
